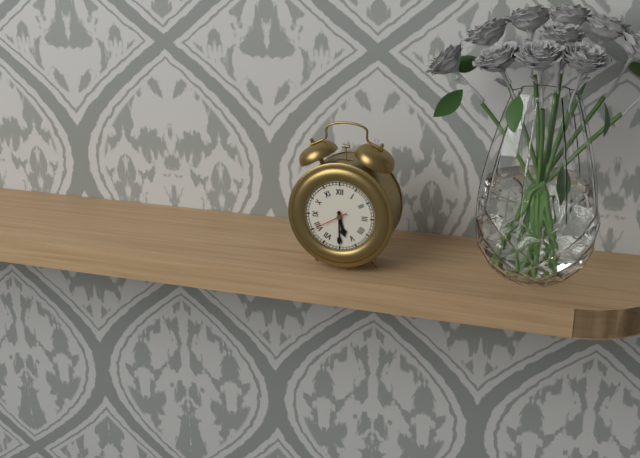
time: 5:30
